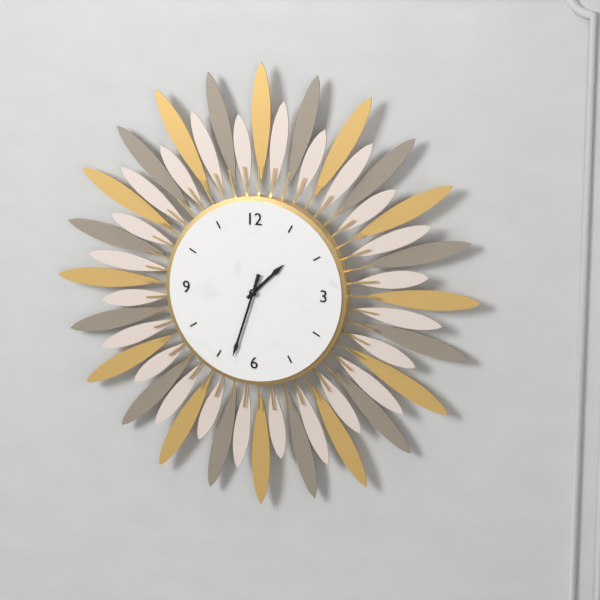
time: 1:33
